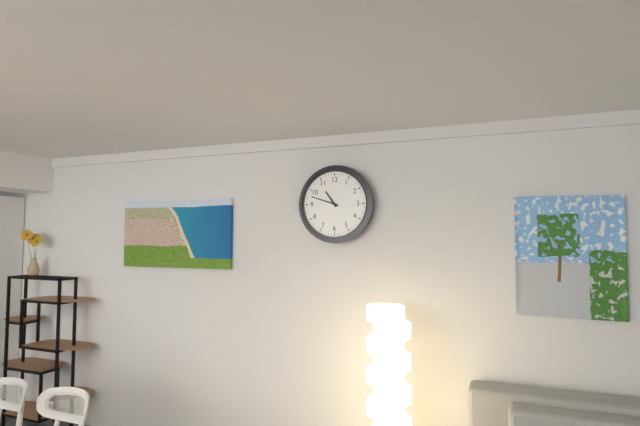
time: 10:48
